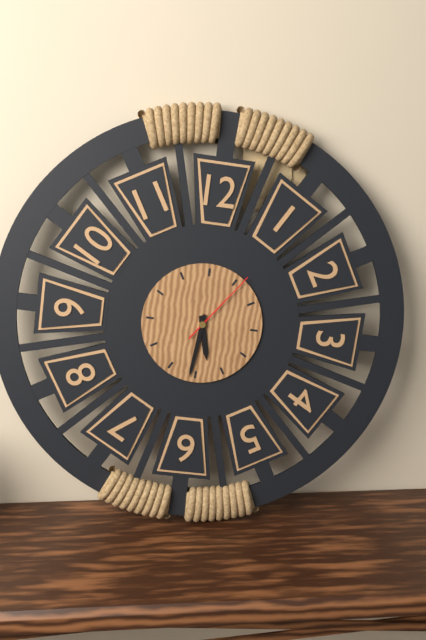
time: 5:31:06
